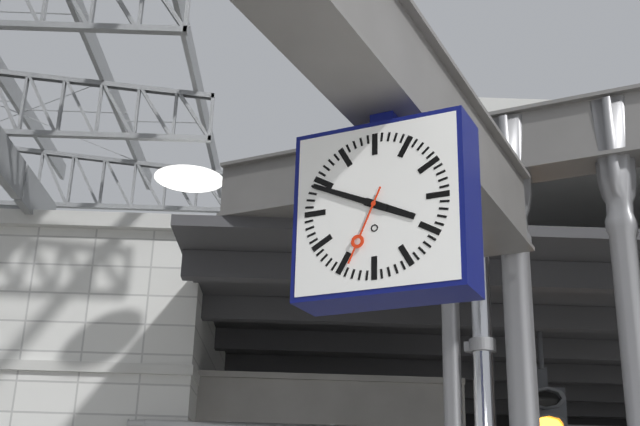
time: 3:49:34
